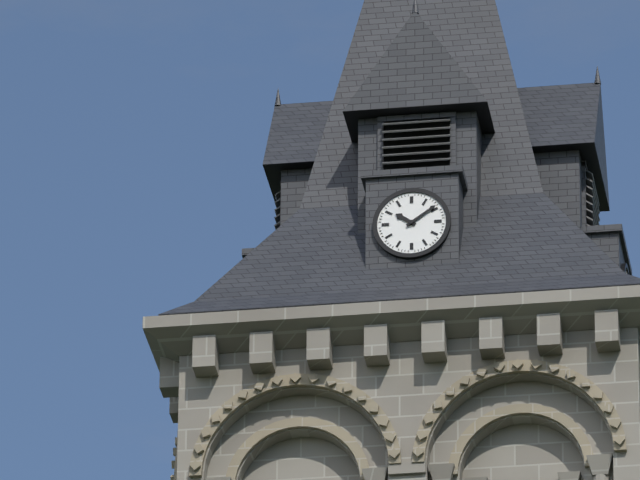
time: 10:09
